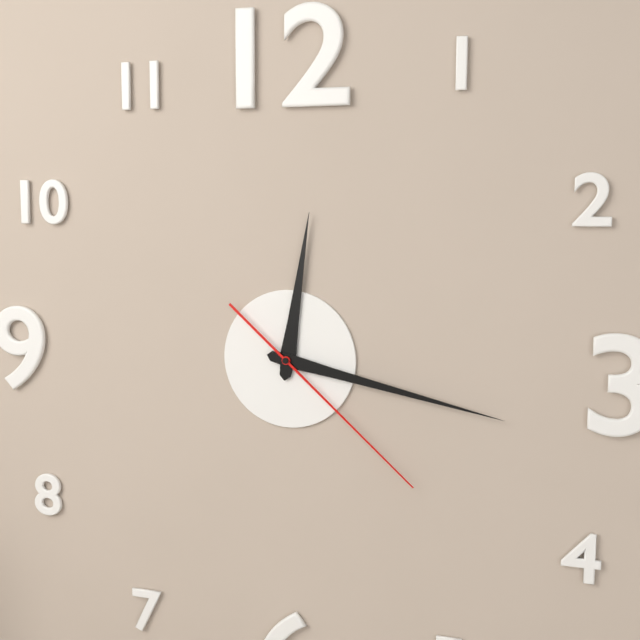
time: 12:17:22
